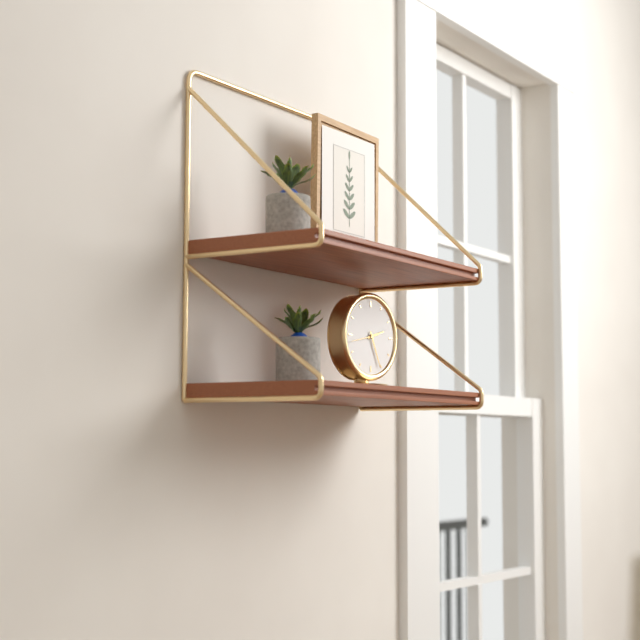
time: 2:26
